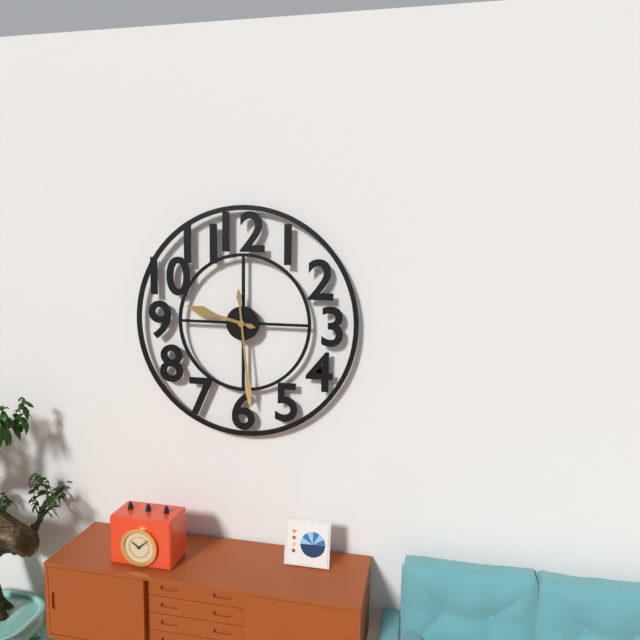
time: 9:29
